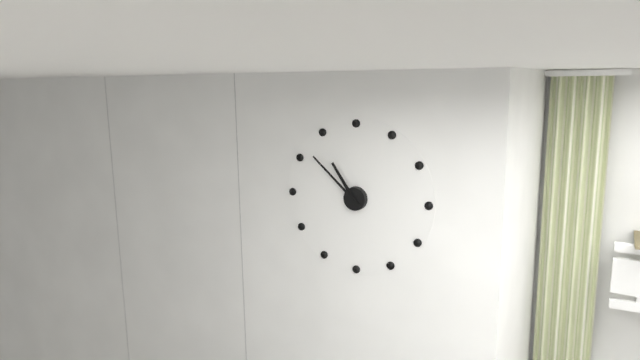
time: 10:52
